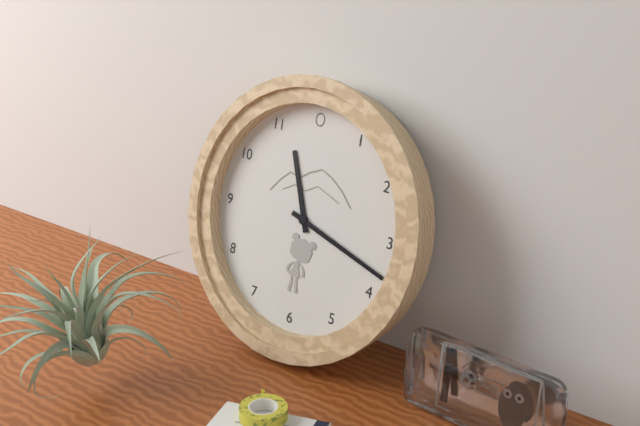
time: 11:18
